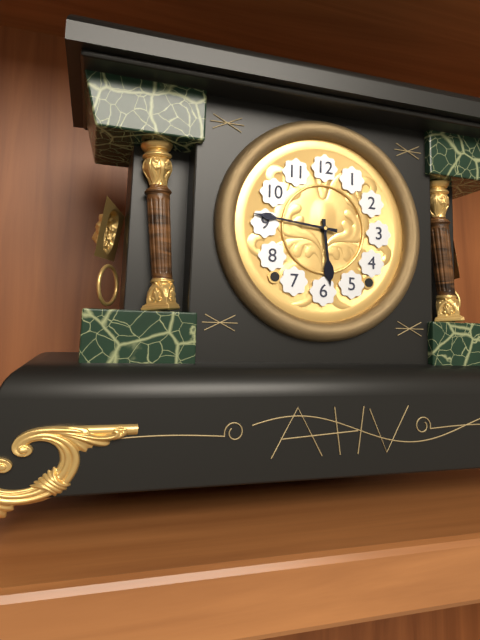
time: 5:46
